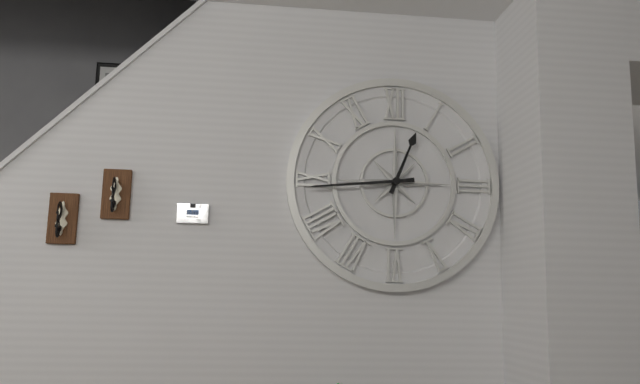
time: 12:44
